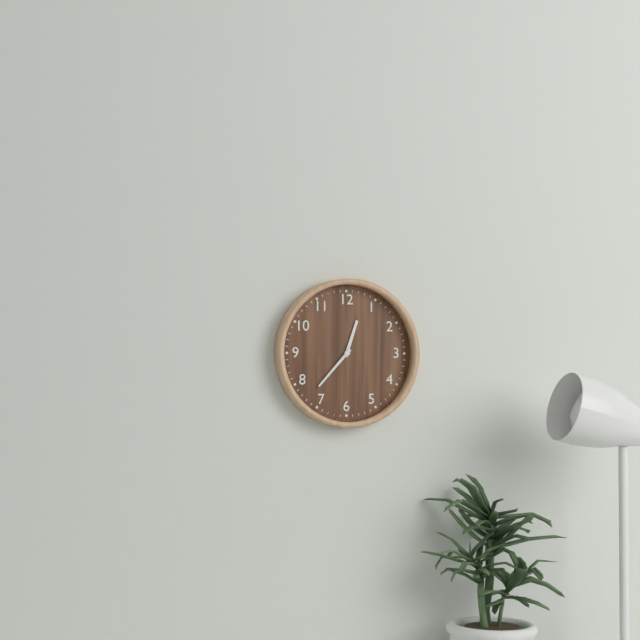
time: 12:37
